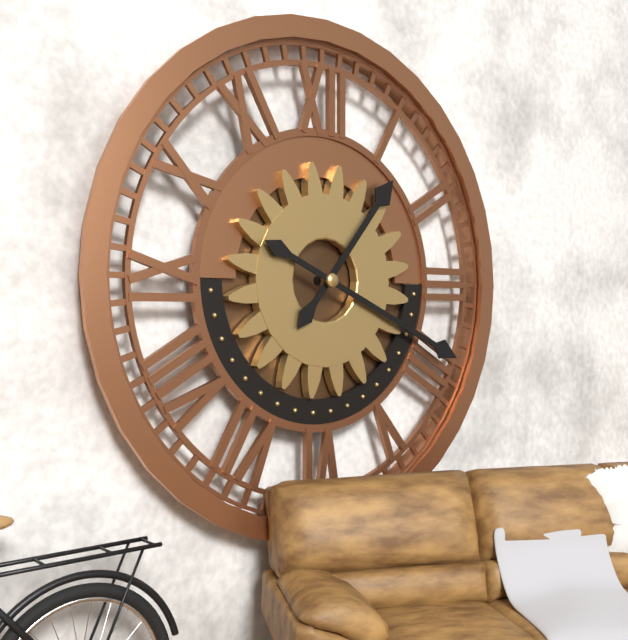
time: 1:19
